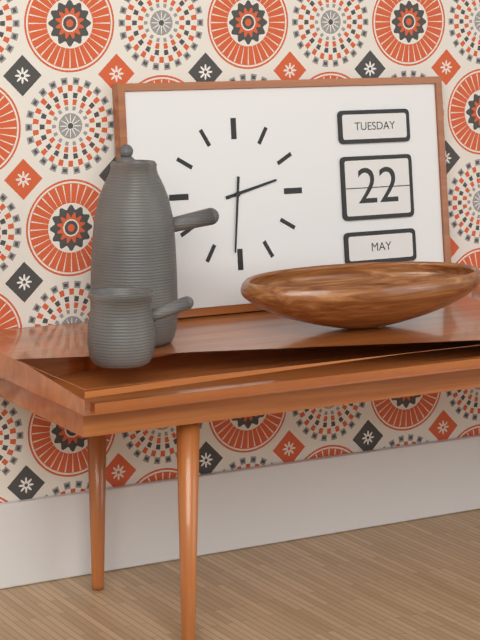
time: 2:31
